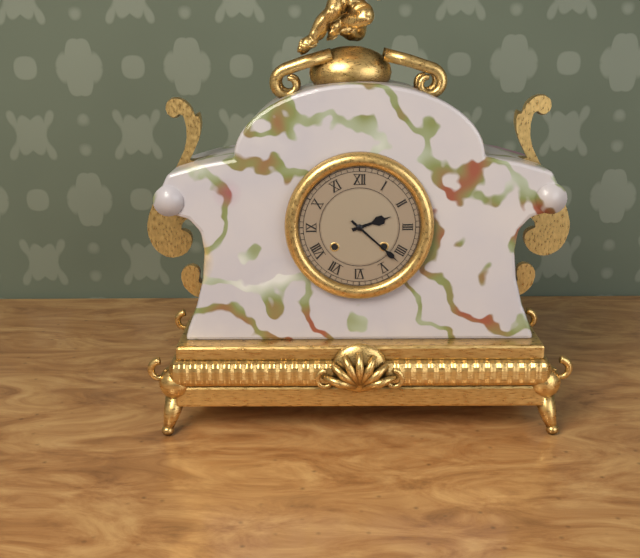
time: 2:22
